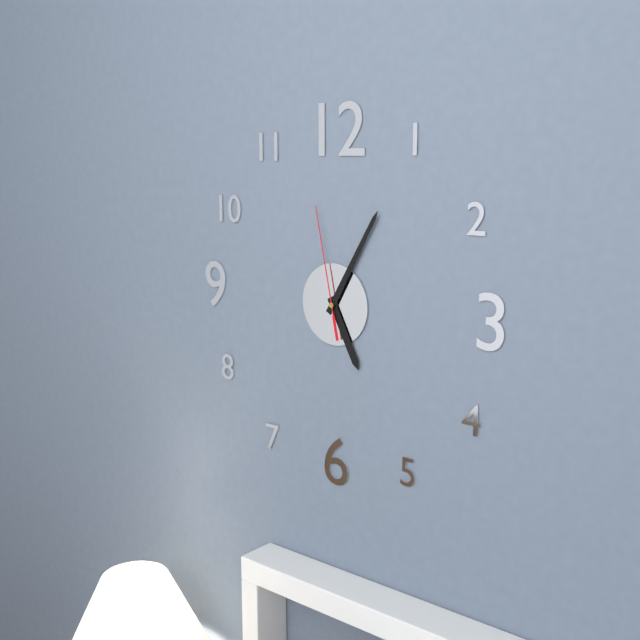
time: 5:05:58
